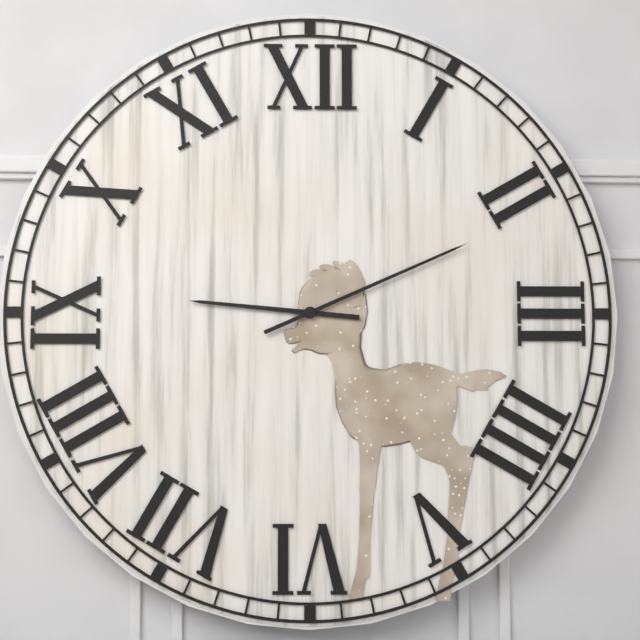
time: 9:11
